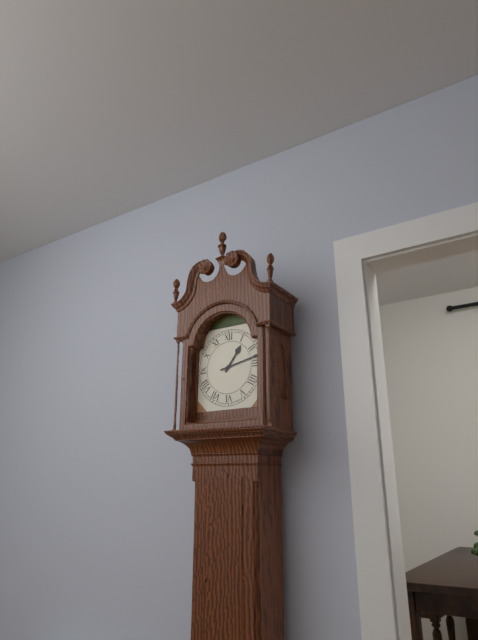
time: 1:13
